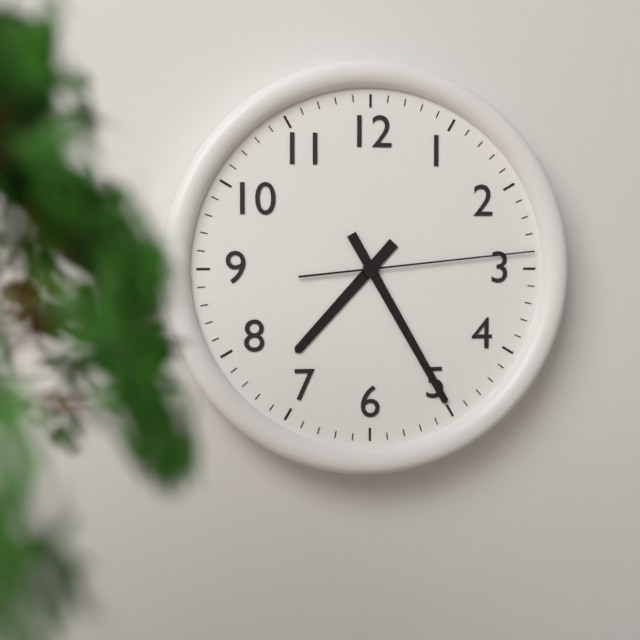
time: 7:25:14
